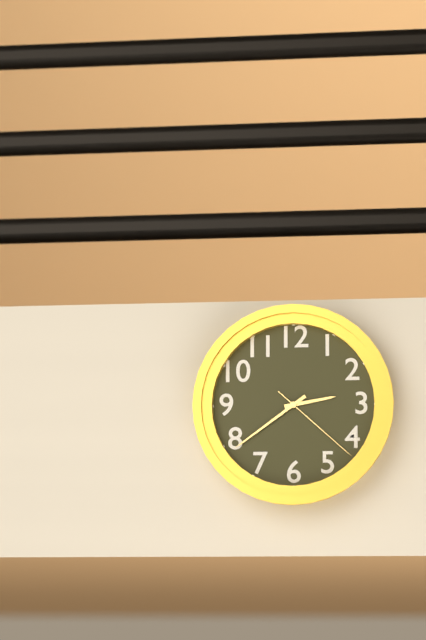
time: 2:39:22
